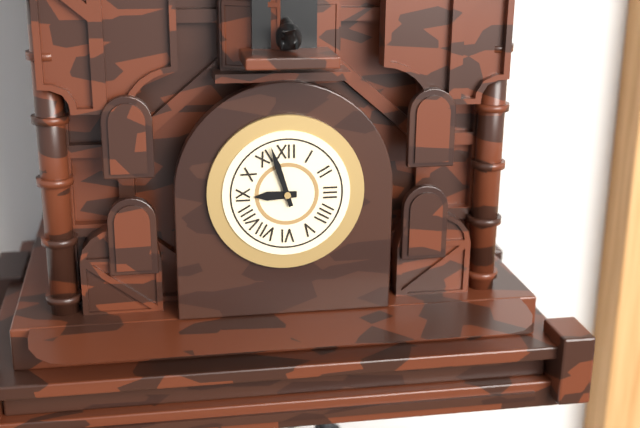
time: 8:57
